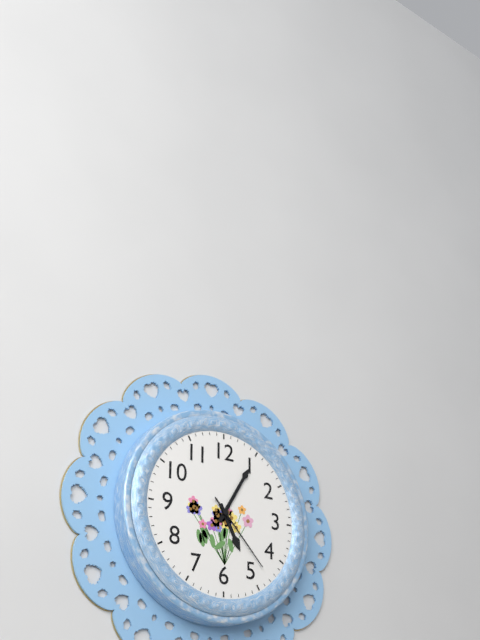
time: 5:05:23
